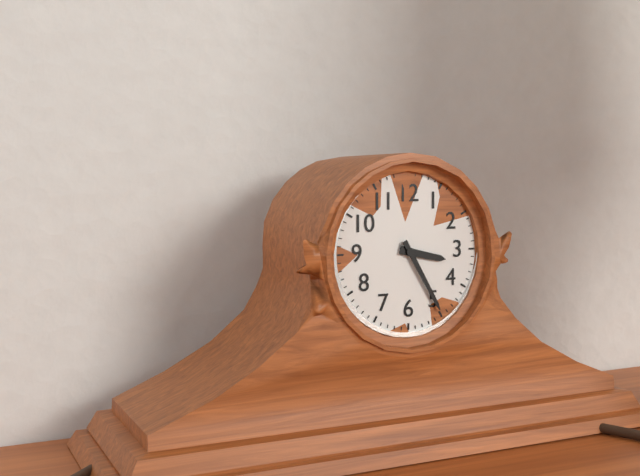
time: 3:25
